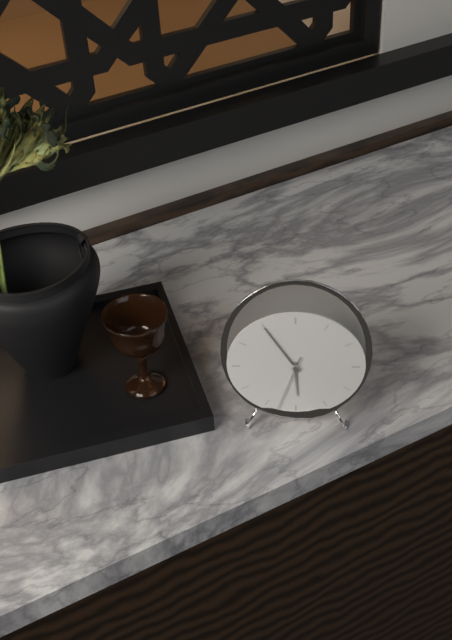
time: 5:55:33
